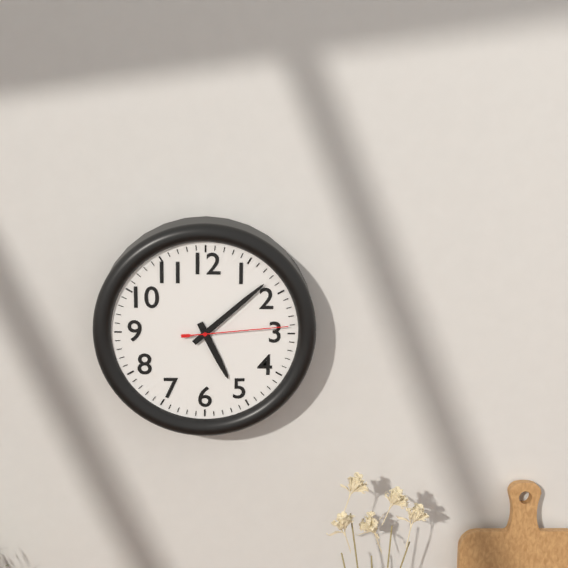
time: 5:08:14
